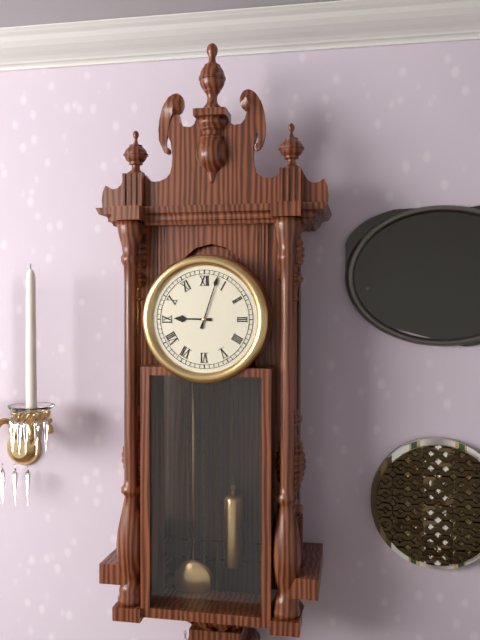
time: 9:03
